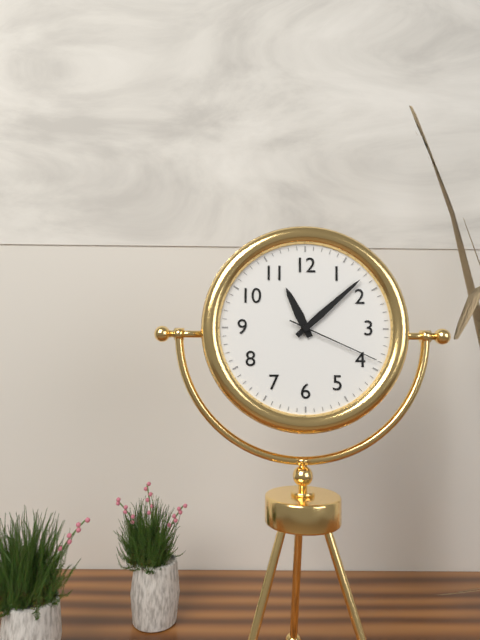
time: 11:08:19
